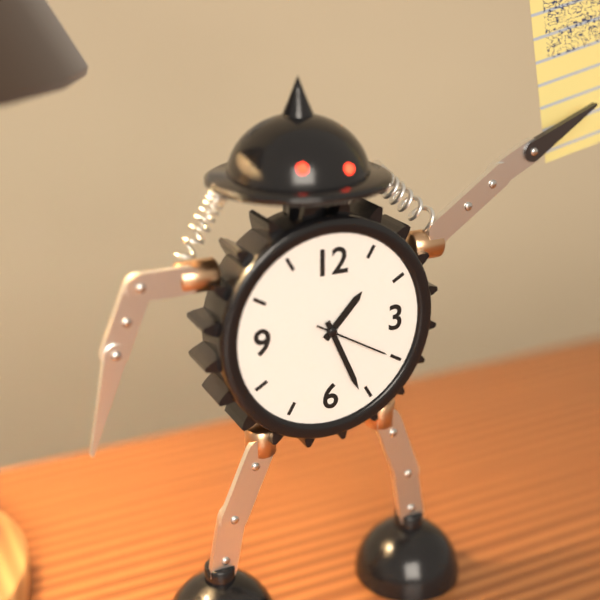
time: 1:26:20
